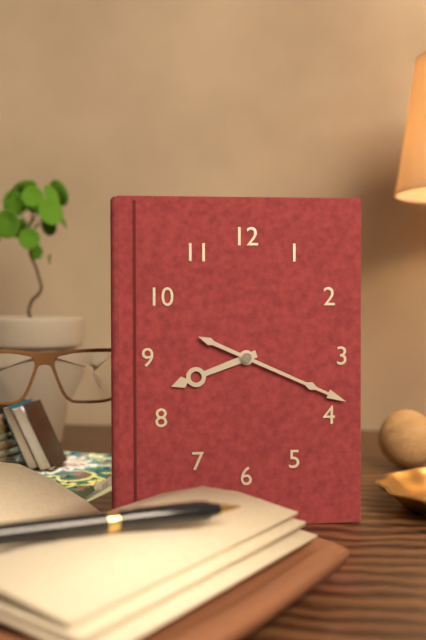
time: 8:19
